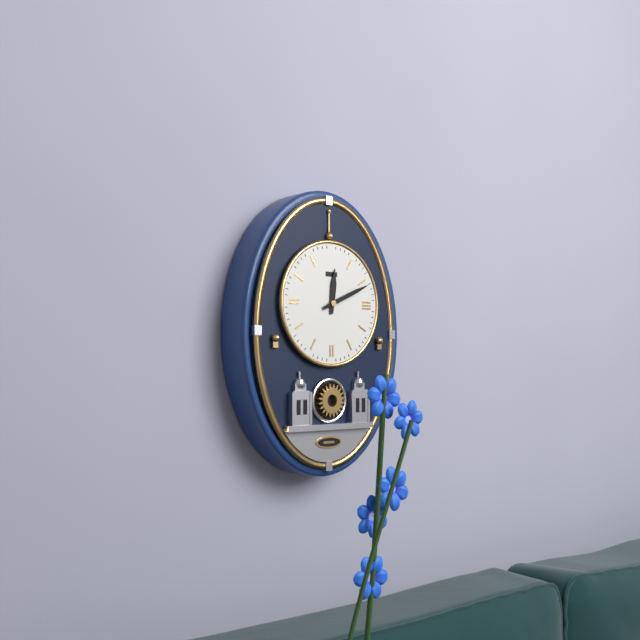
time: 12:11
